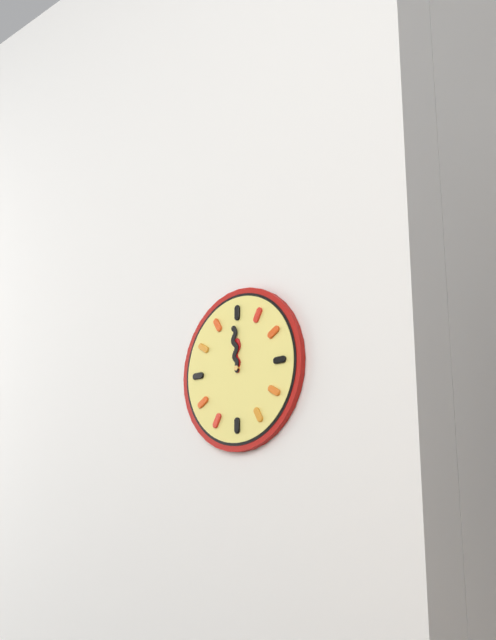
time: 11:59
